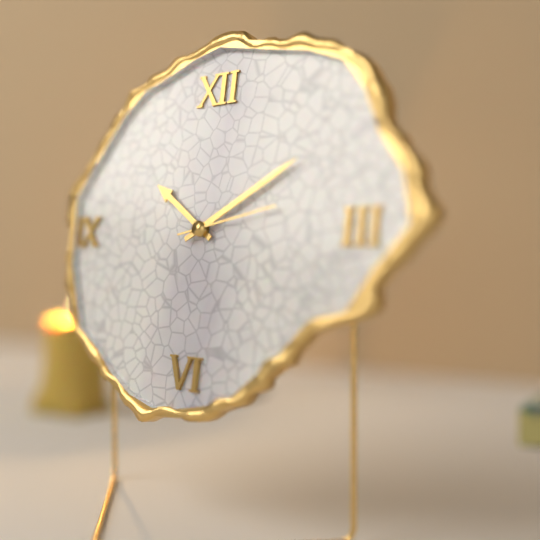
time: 10:10:13
